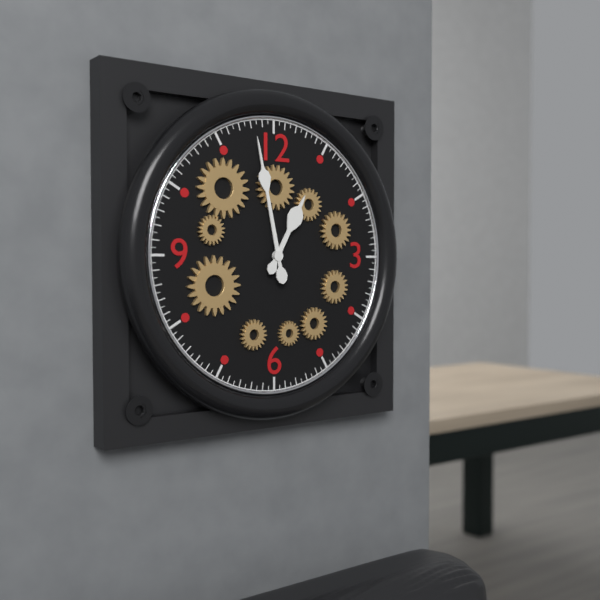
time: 12:58
